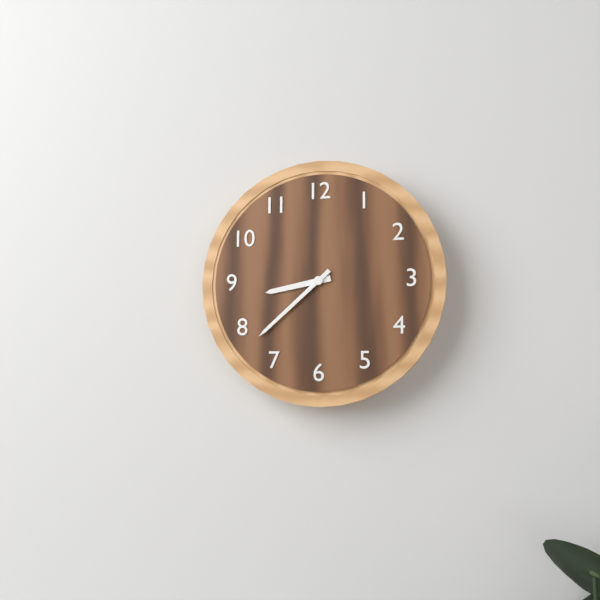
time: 8:38
